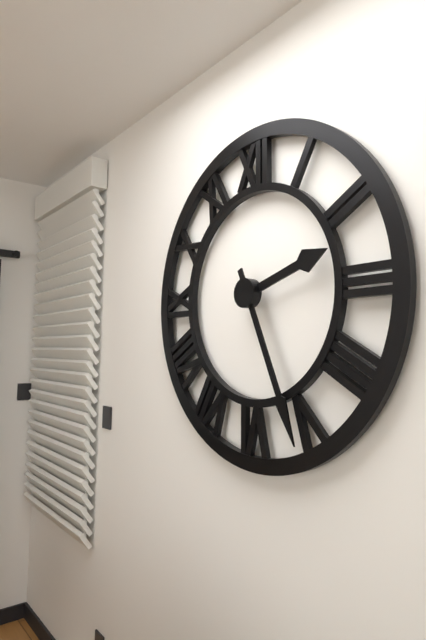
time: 2:26
